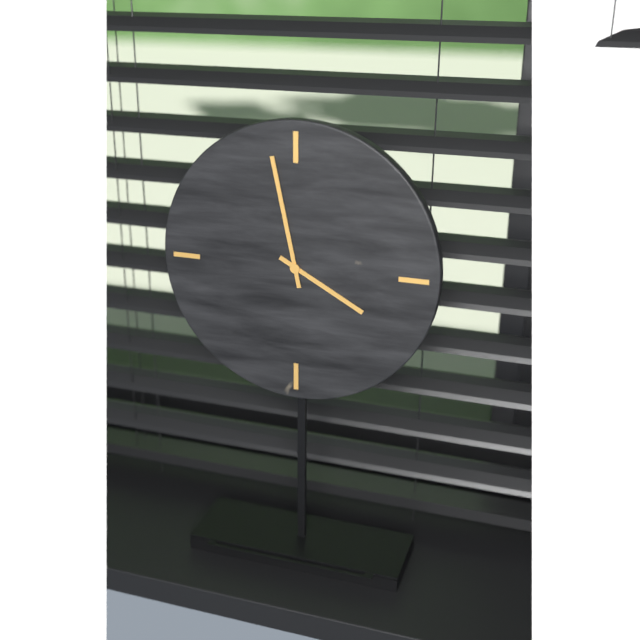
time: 3:58
